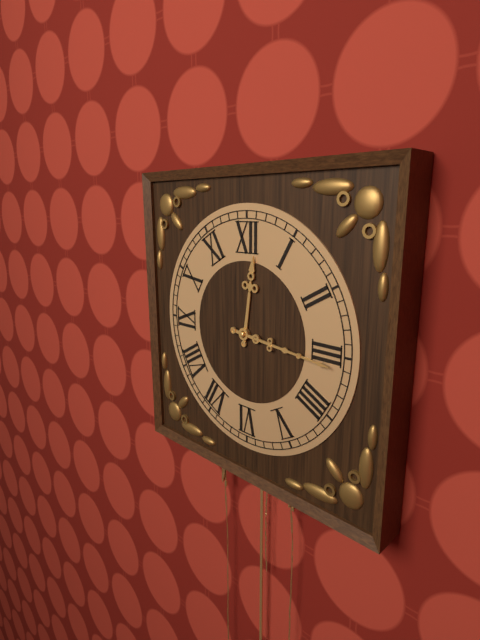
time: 12:16
